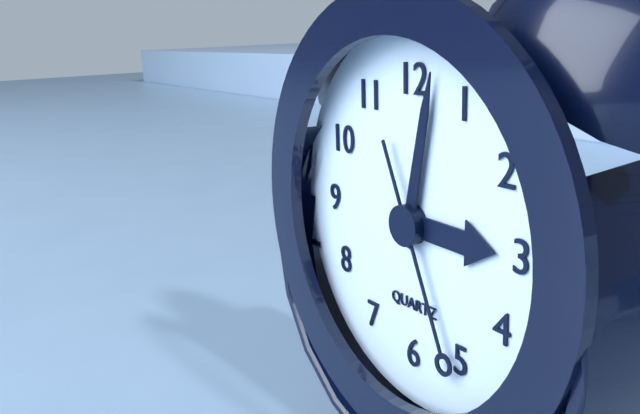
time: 3:02:26
